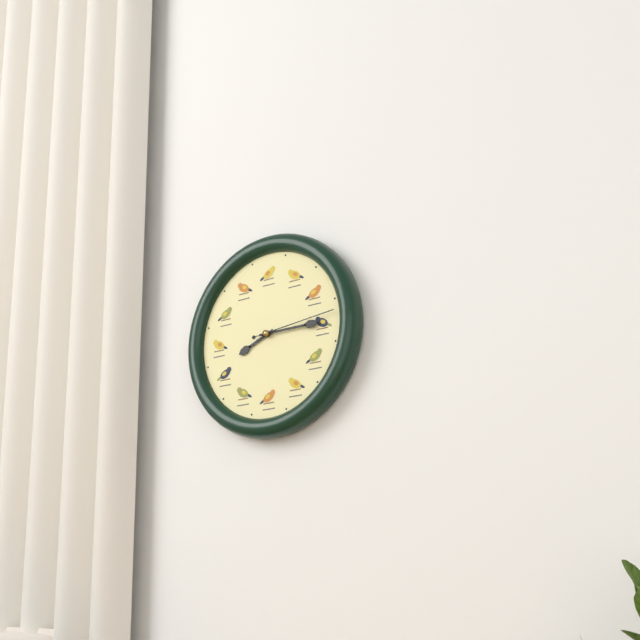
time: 8:15:14
